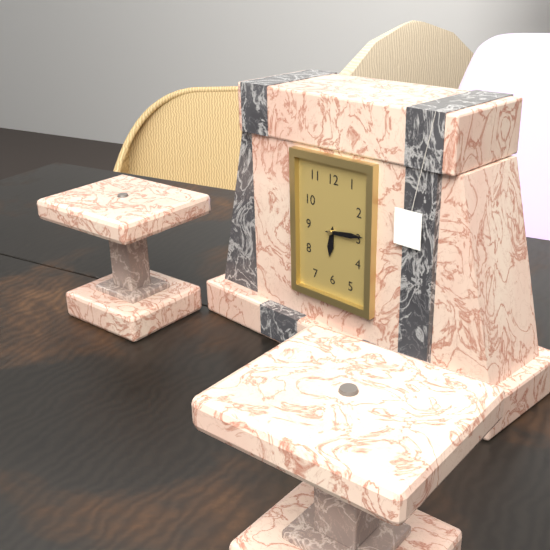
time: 6:14
